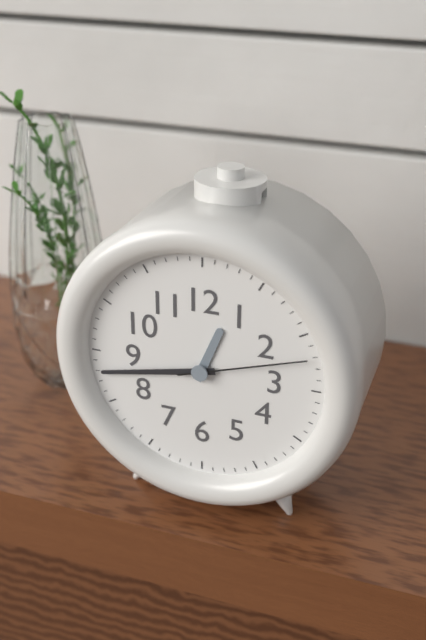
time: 12:43:12
